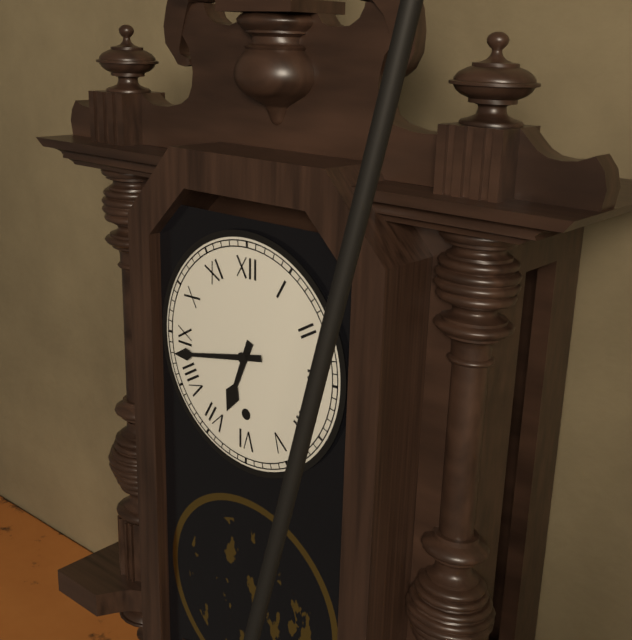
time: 6:43
